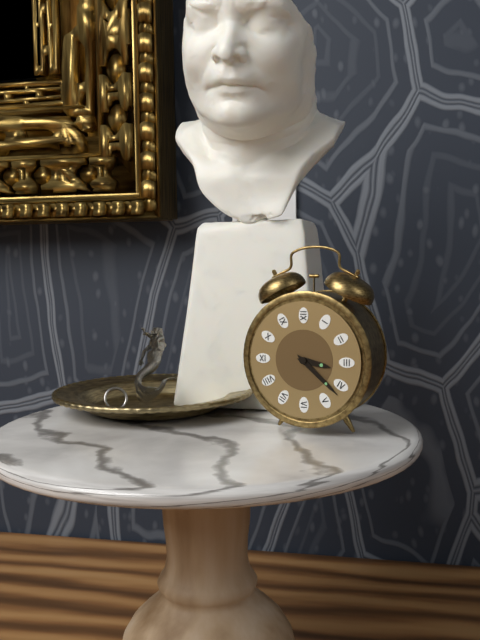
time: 3:22
